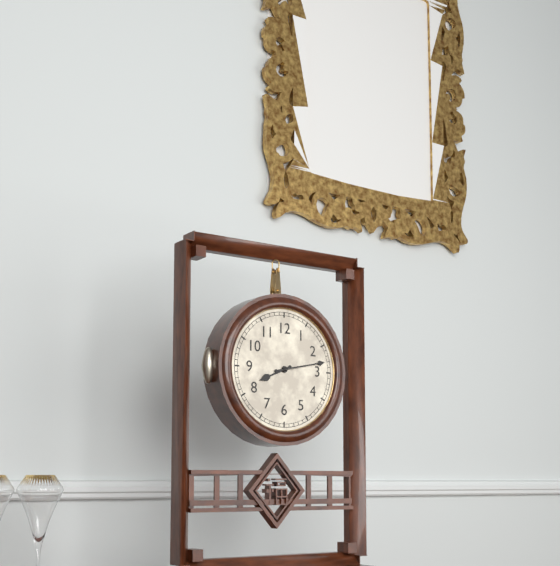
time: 8:13
